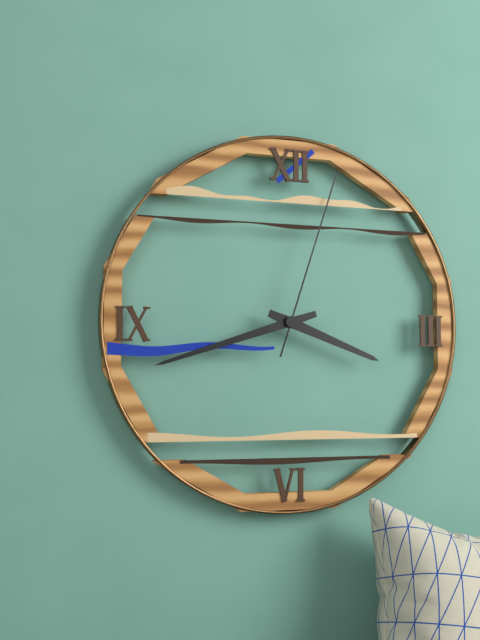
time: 3:42:03
